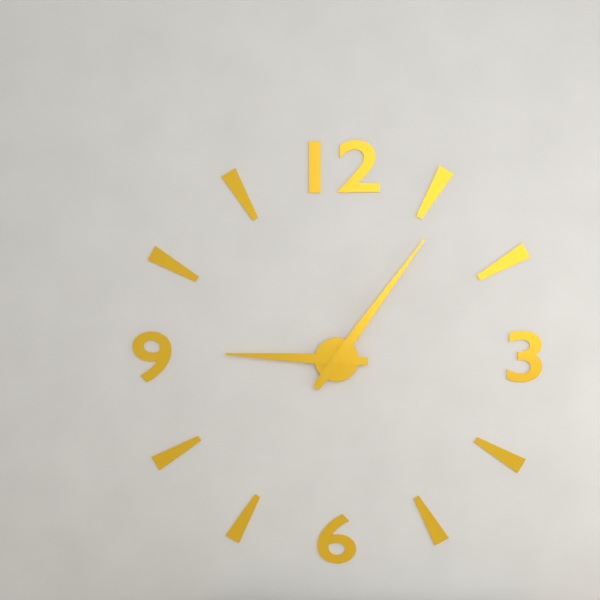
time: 9:06
